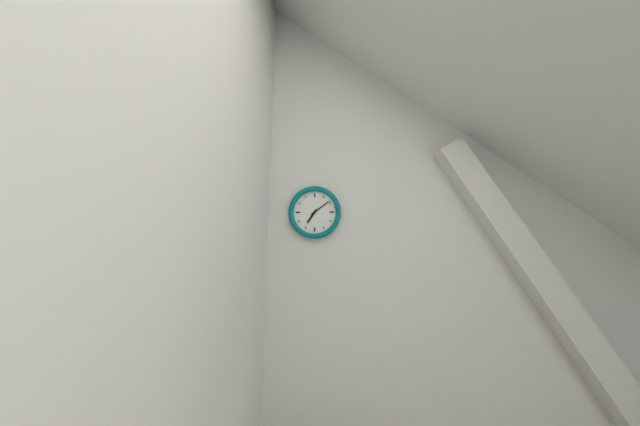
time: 7:09
